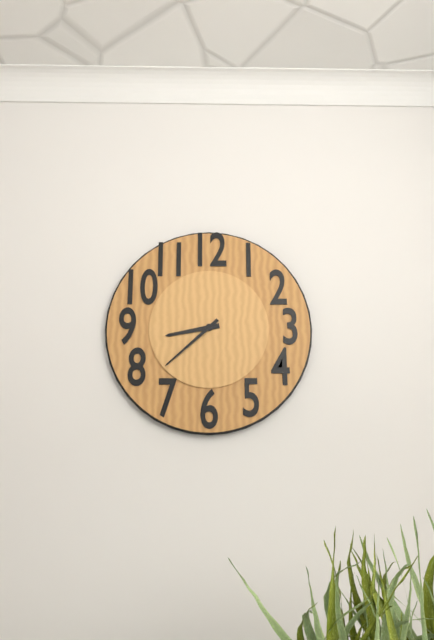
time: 8:38
